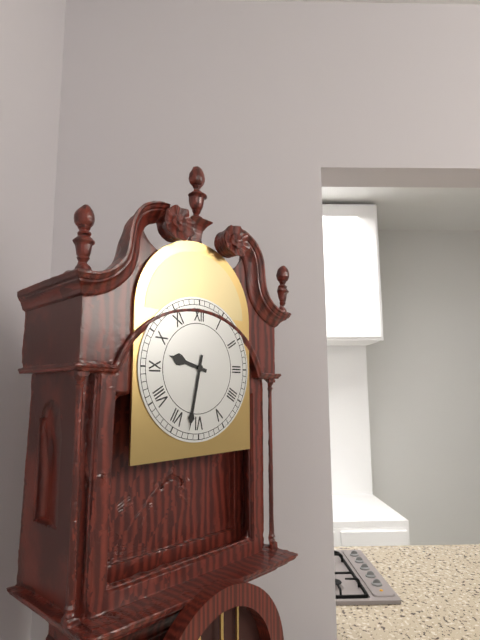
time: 9:32
